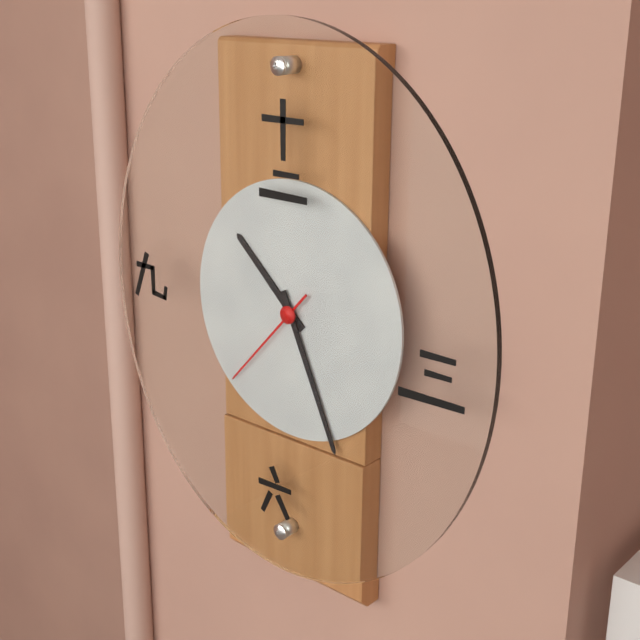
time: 10:26:37
